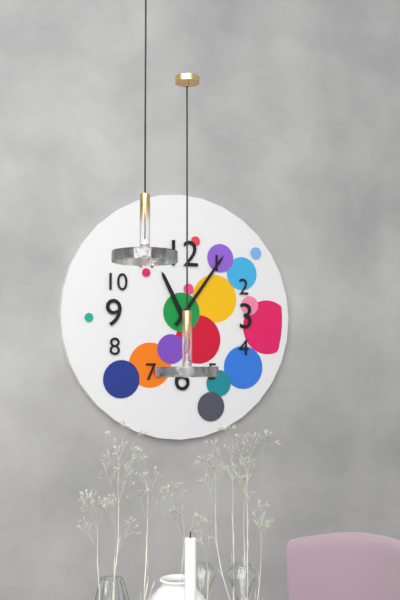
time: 11:06
